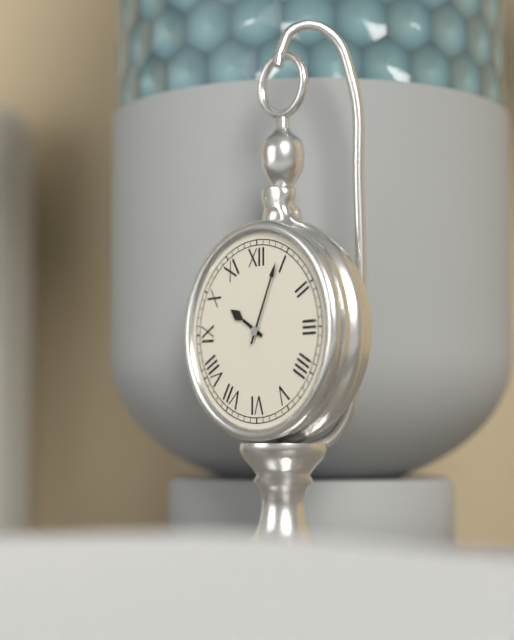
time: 10:04
